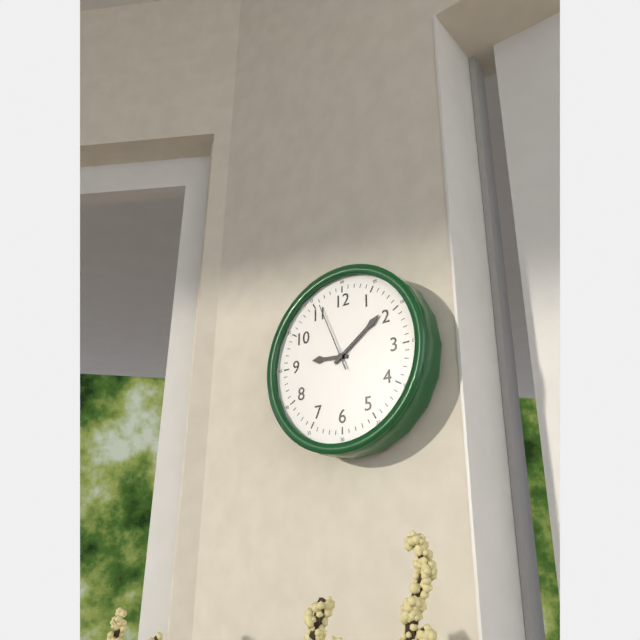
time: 9:09:56
